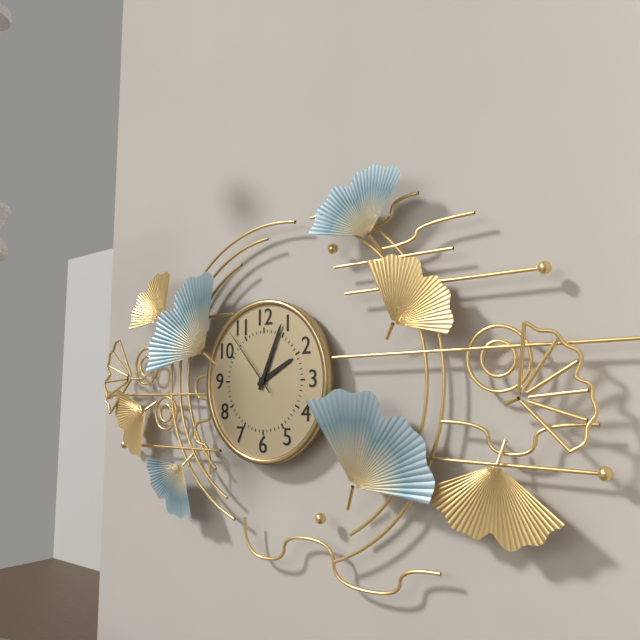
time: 2:04:53
